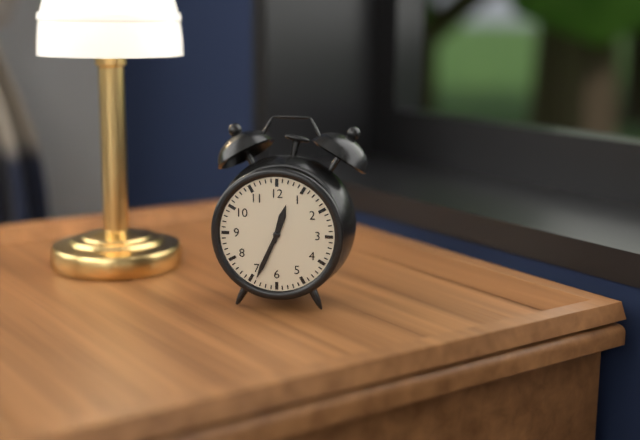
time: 12:34
